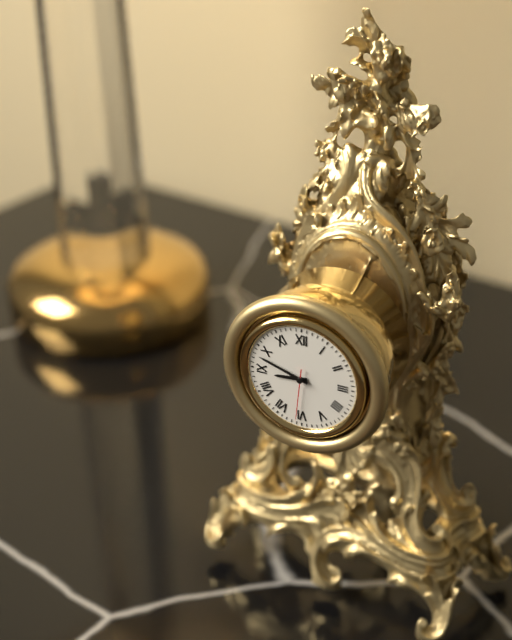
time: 8:48:31
